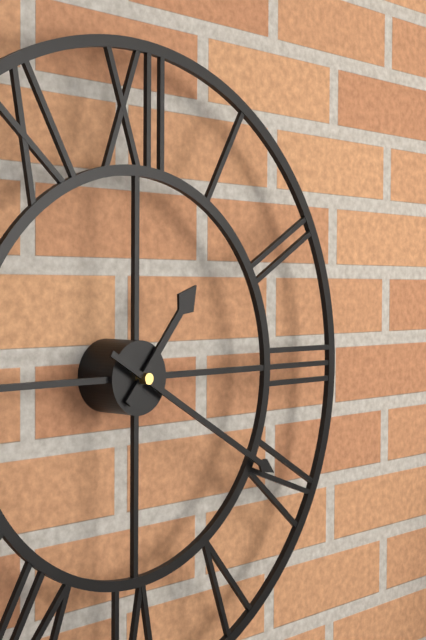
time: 1:20
